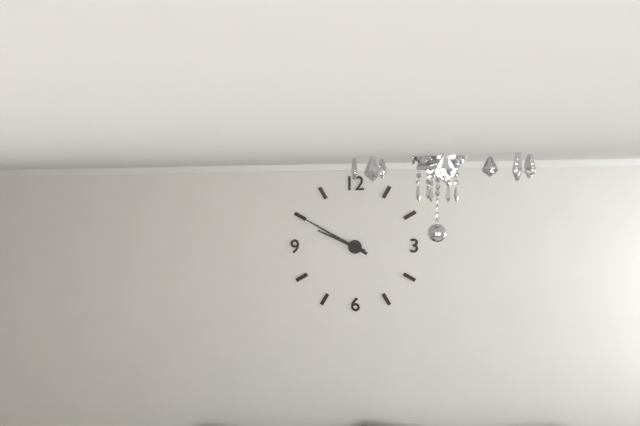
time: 9:50
